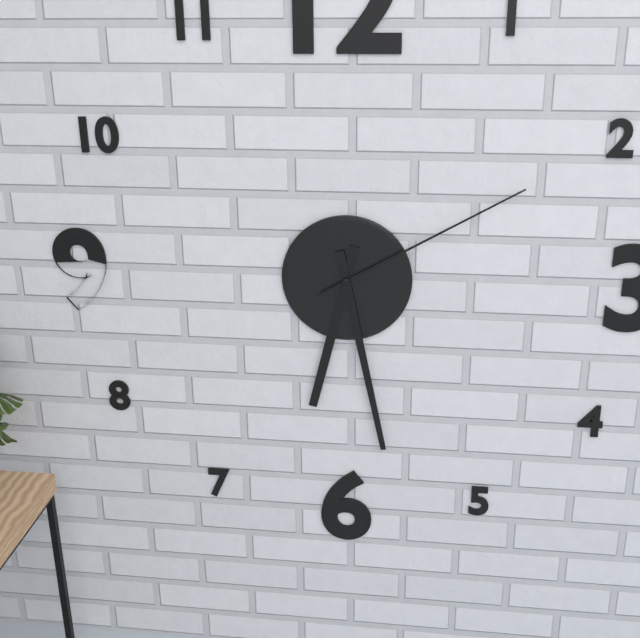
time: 6:28:10
